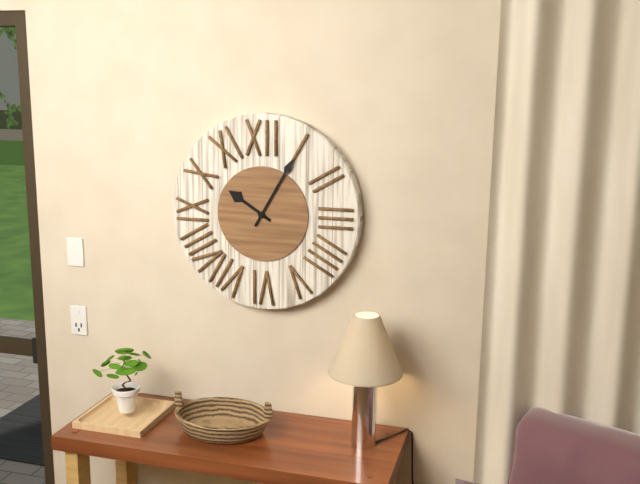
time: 10:05
